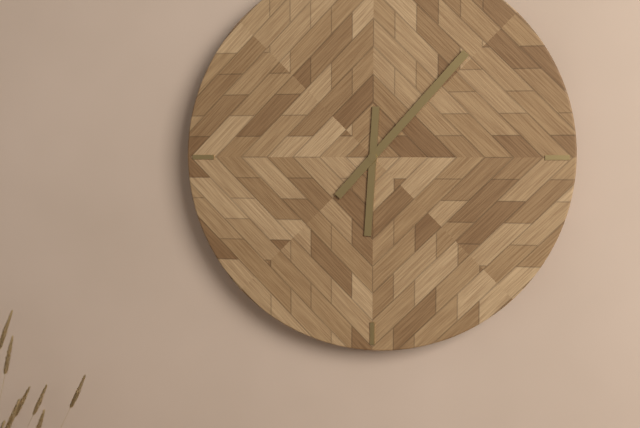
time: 6:07
